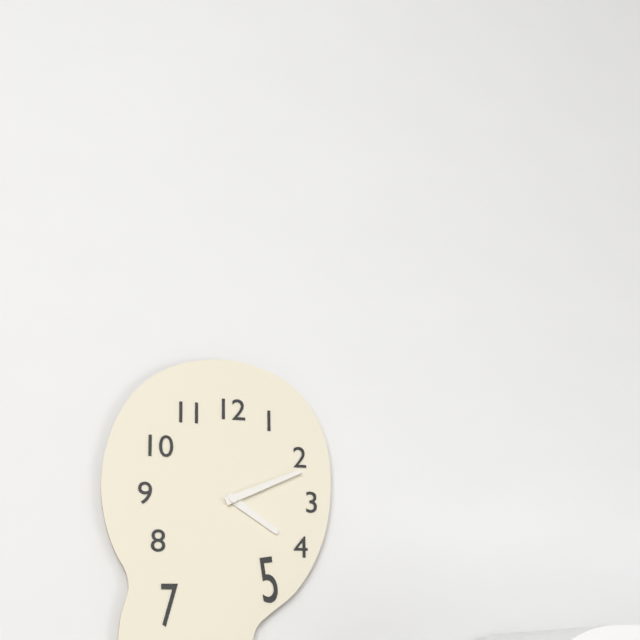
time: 4:11
